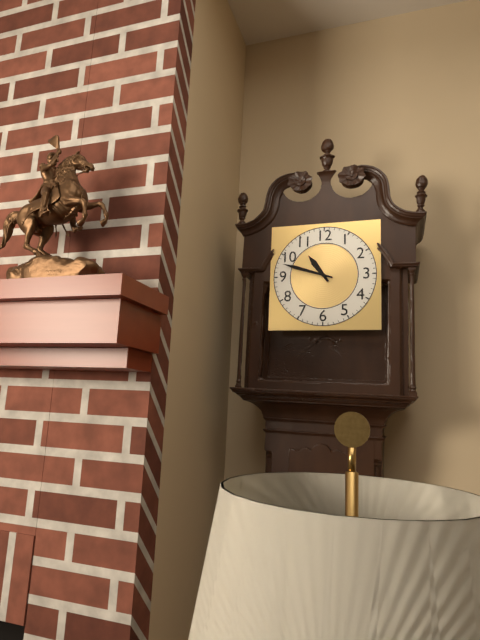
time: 10:48
